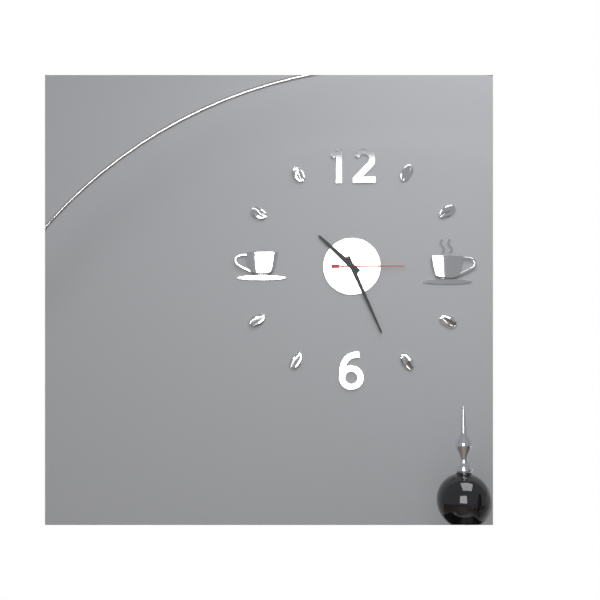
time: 10:26:15
